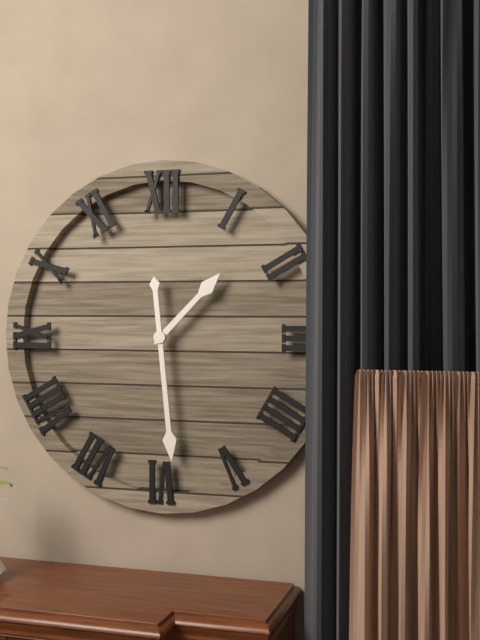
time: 1:29
